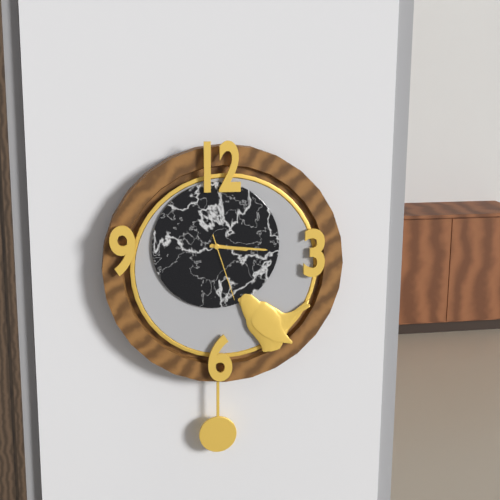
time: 3:16:27
